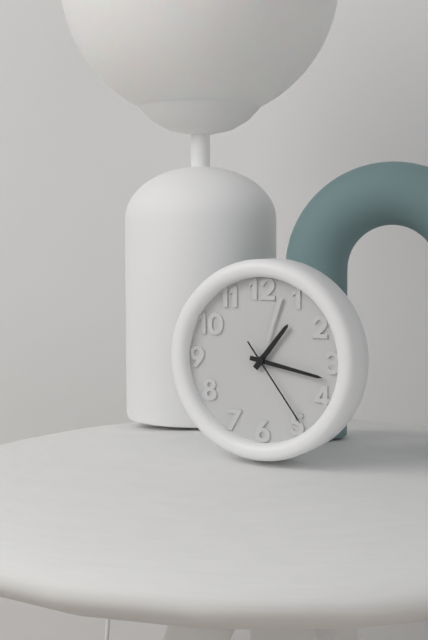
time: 1:17:24
